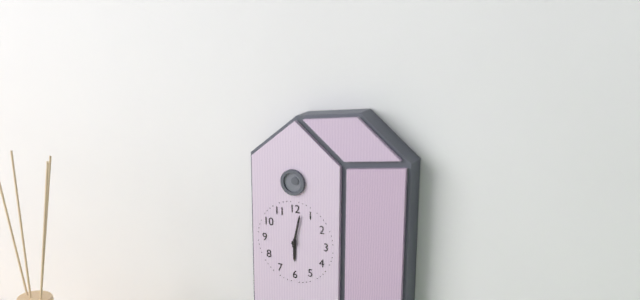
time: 6:02
